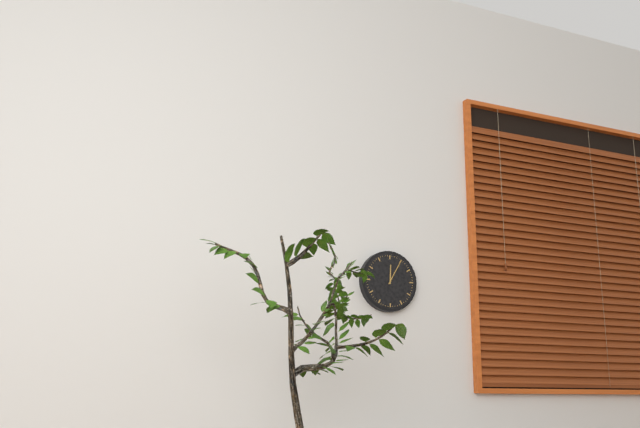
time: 12:05
